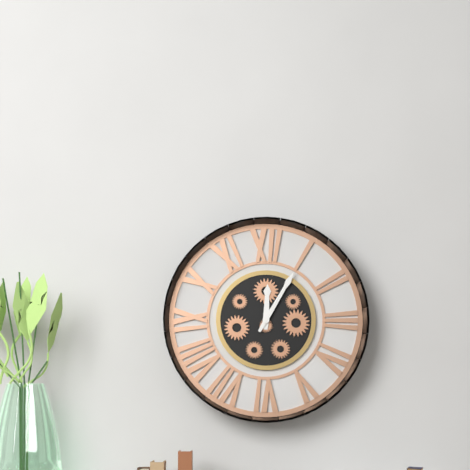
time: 12:05
